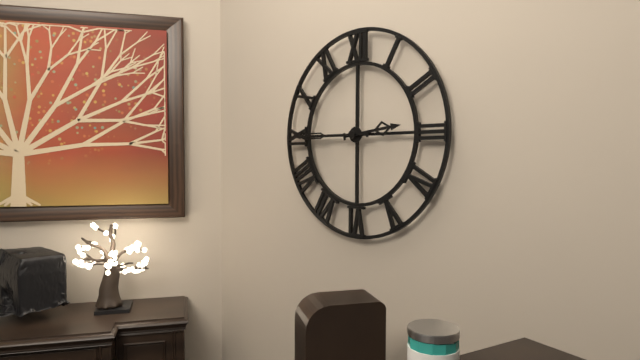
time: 2:45
